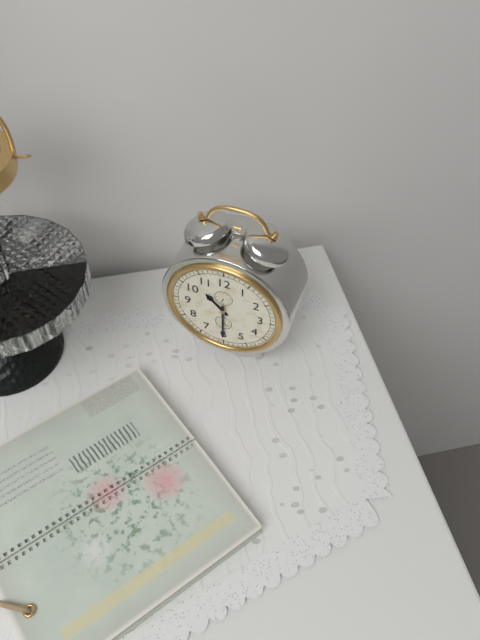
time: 10:30
